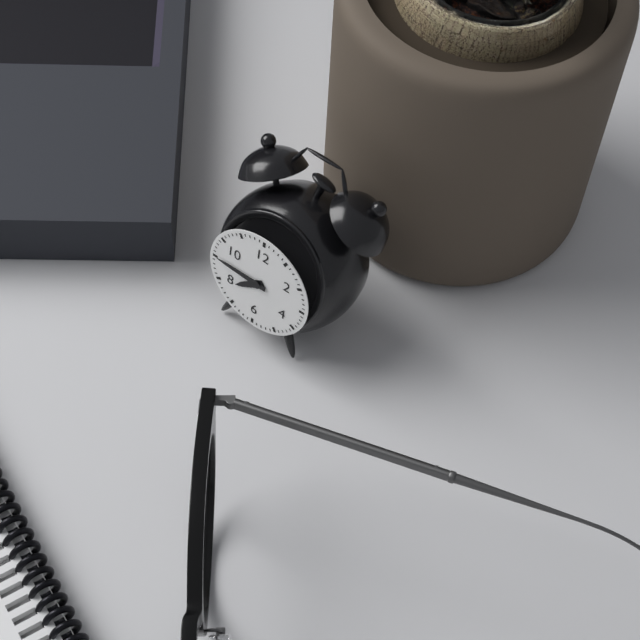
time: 7:45
